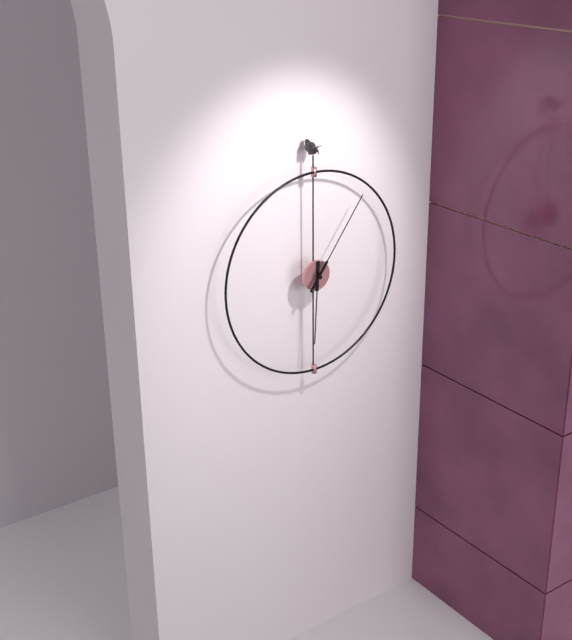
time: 6:06
